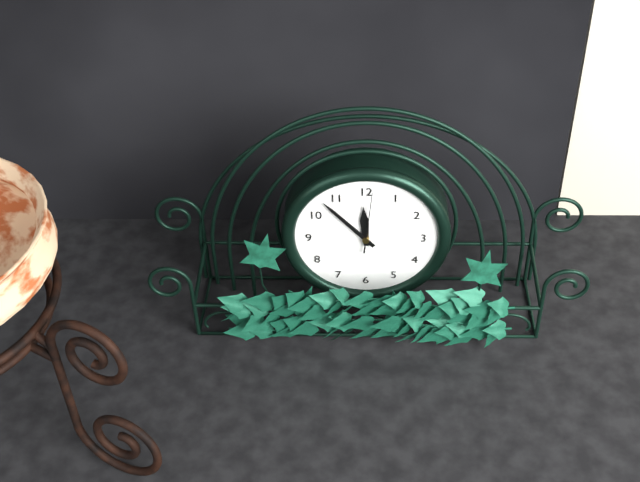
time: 11:53:01
